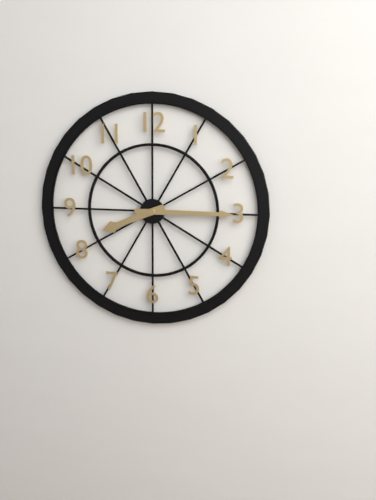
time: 8:15
